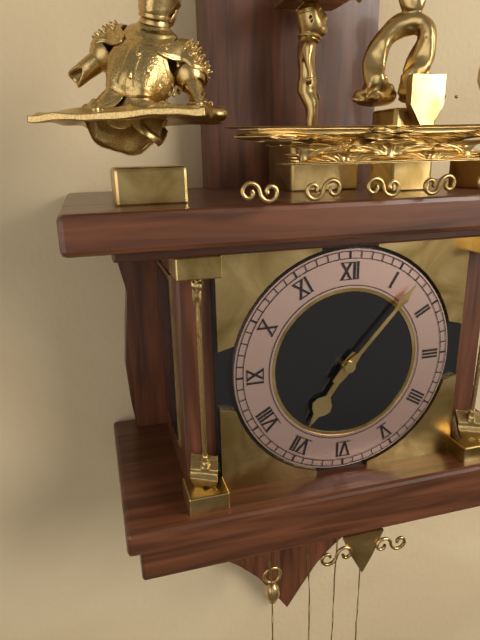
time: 7:07
